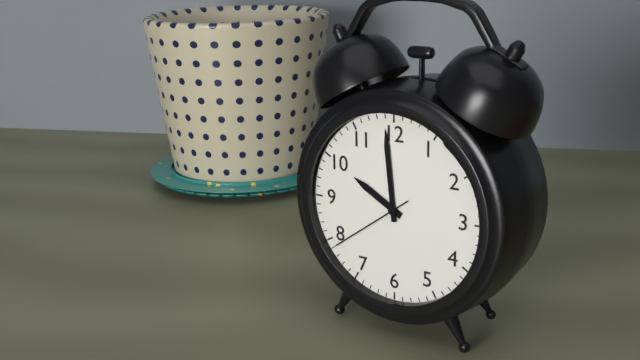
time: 9:59:39
